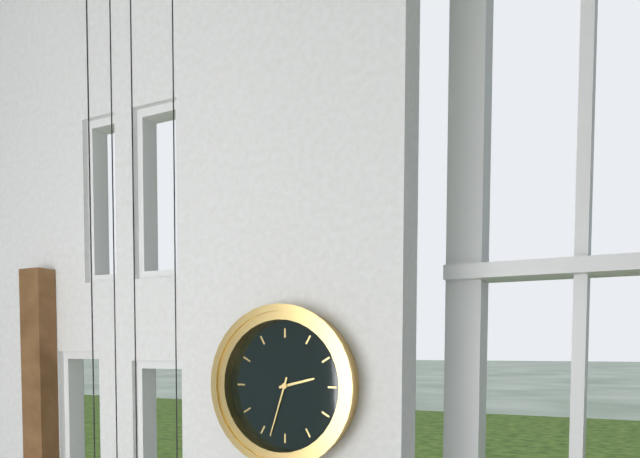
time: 2:33
